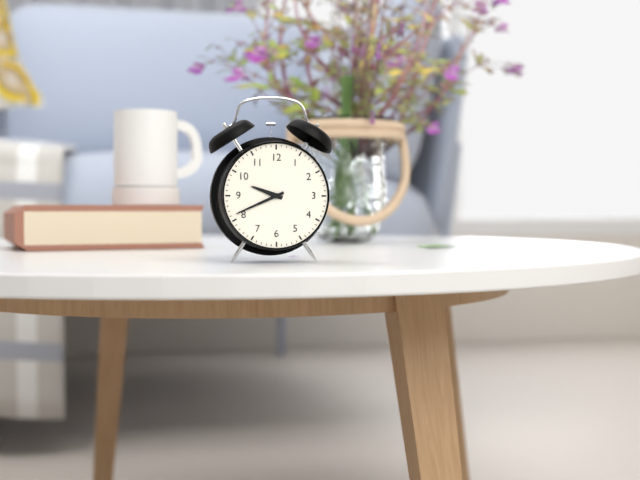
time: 9:41
